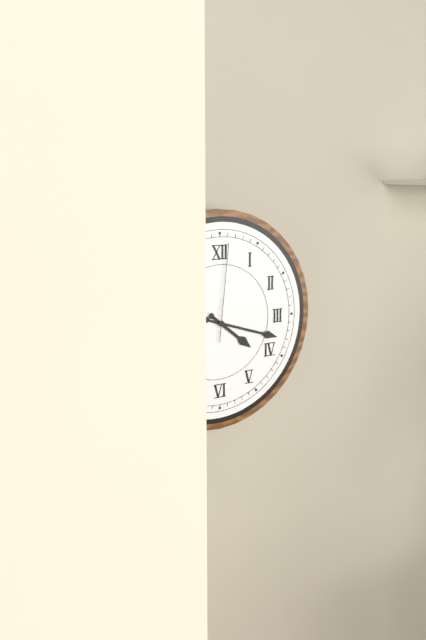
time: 4:18:01
